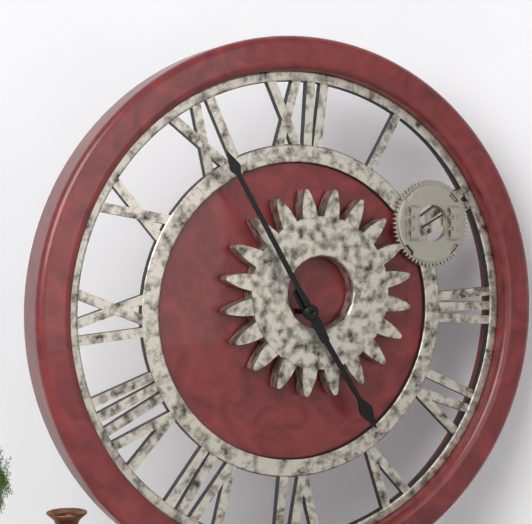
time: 4:55
